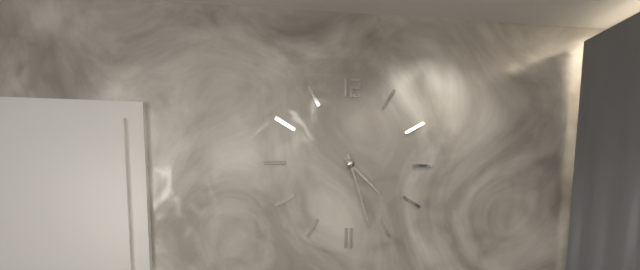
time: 4:27
